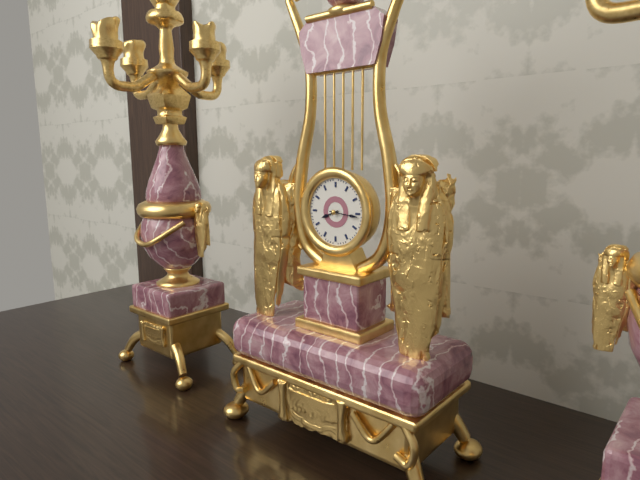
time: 8:16
